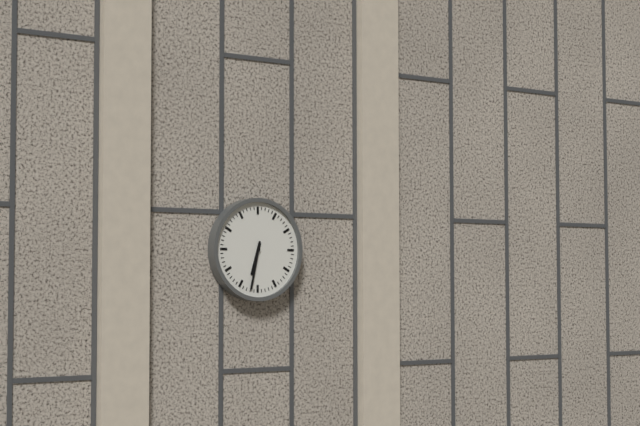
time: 6:32
